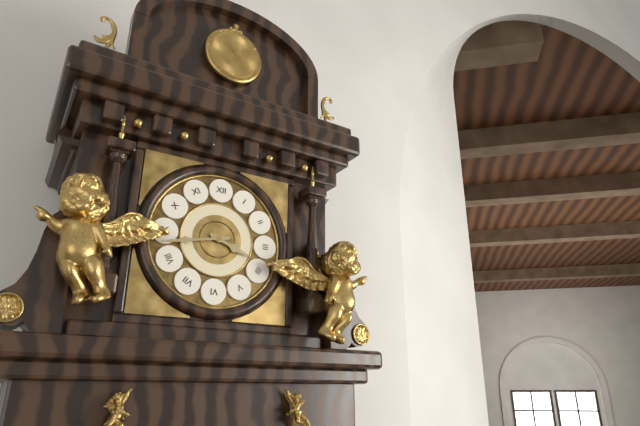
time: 3:43
